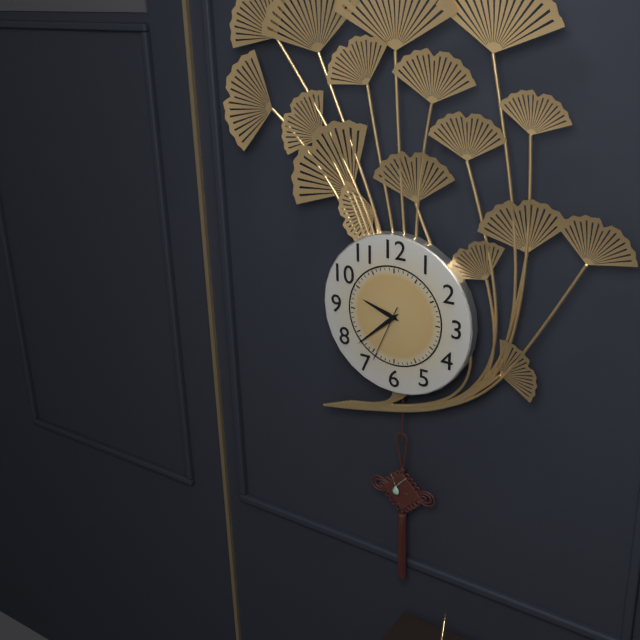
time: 9:38:34
